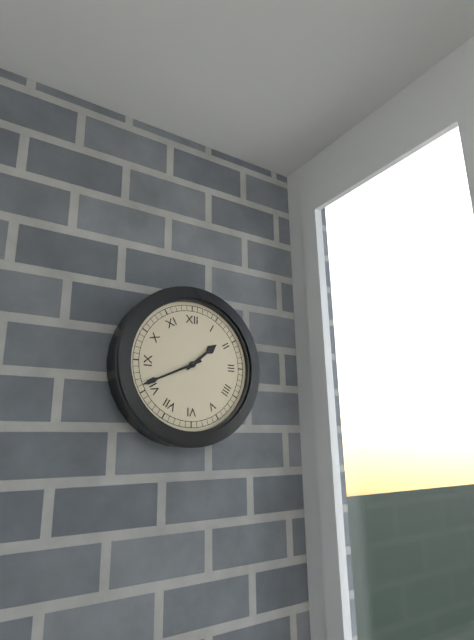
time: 1:41
